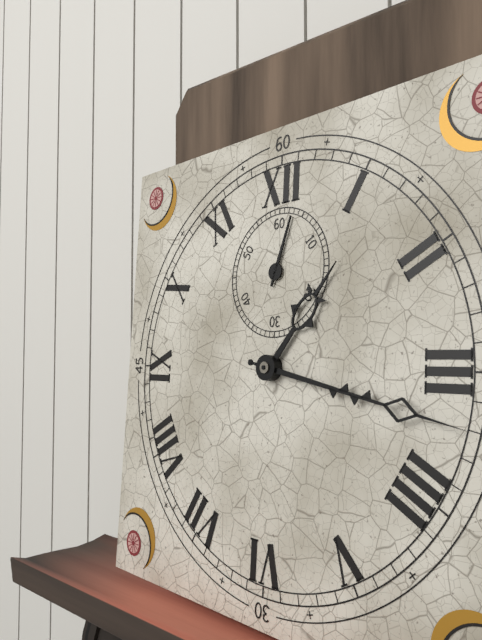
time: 1:17:03
